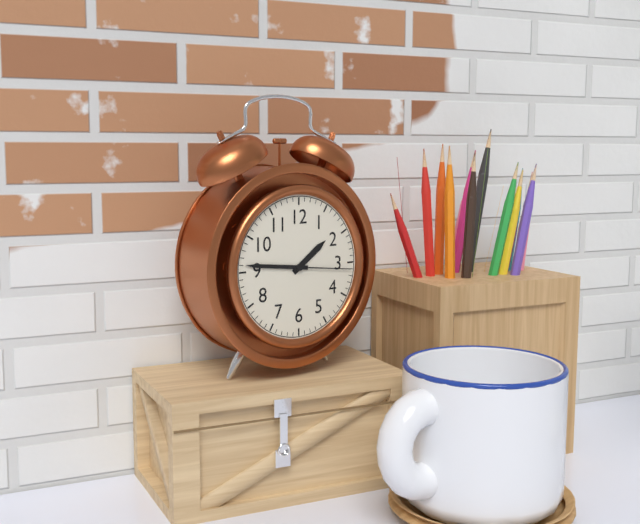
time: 1:46:16
